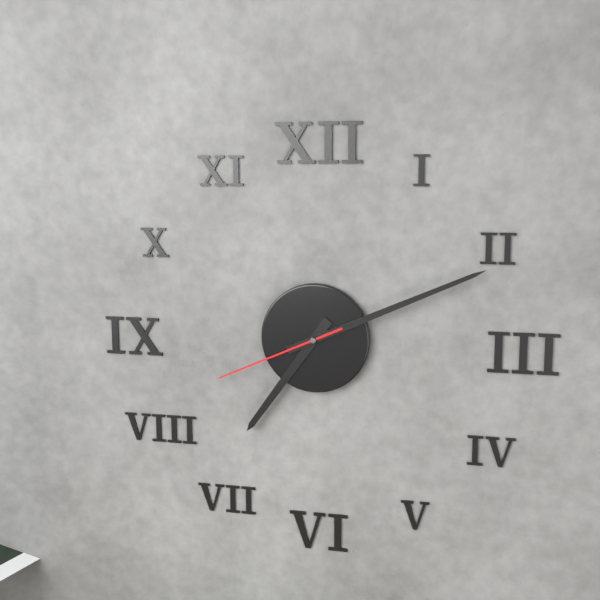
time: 7:11:41
